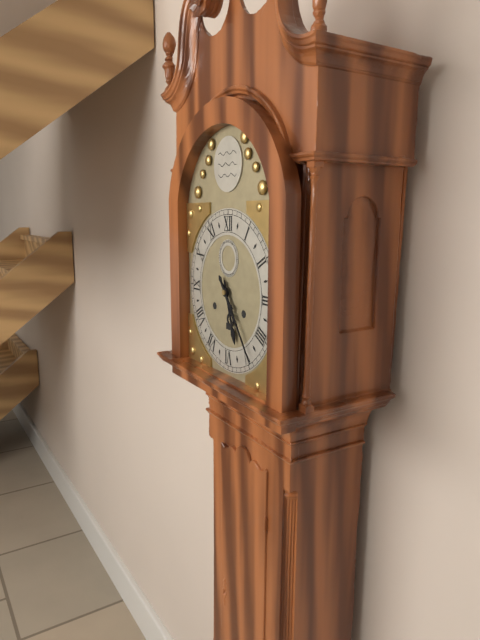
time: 5:24
